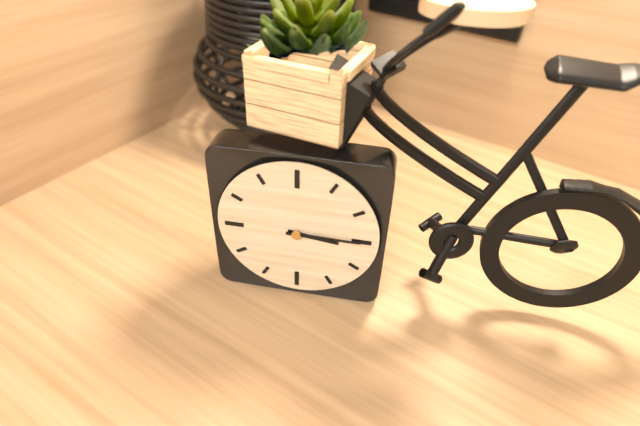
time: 3:15
